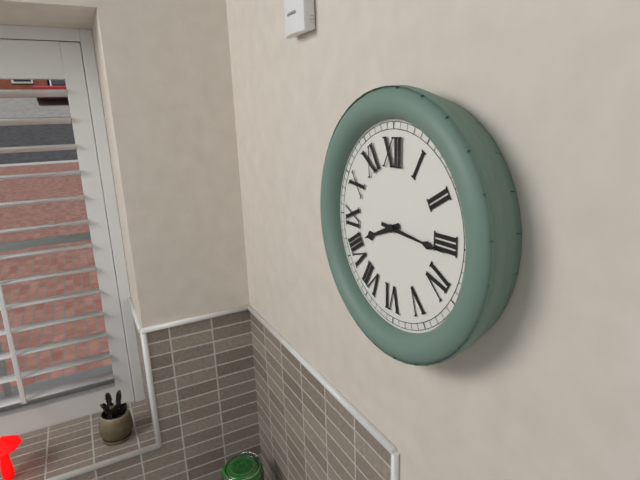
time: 8:16
